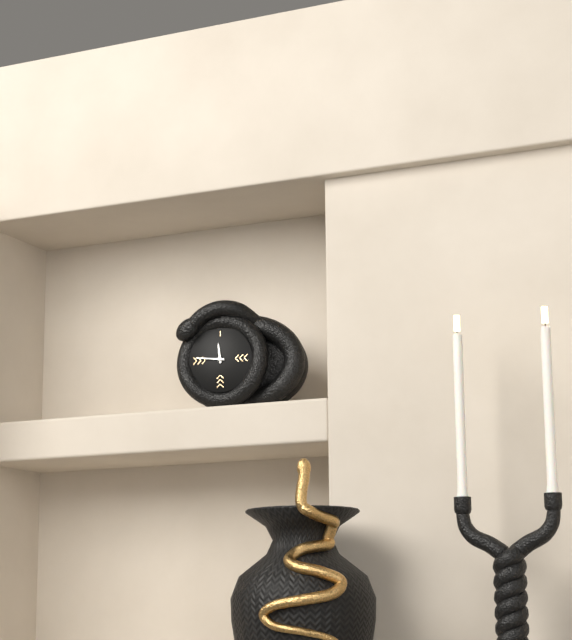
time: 11:46
